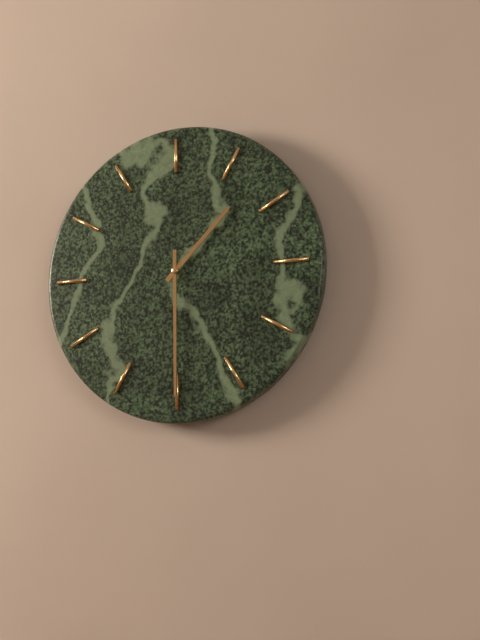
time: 1:30
